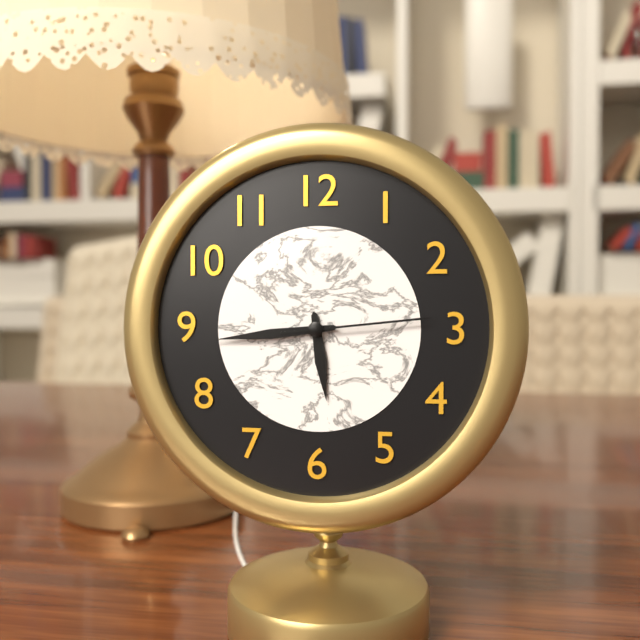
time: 5:44:14
